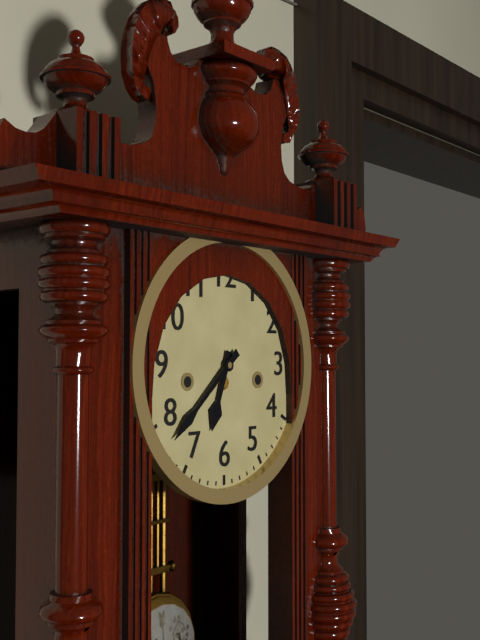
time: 6:38
